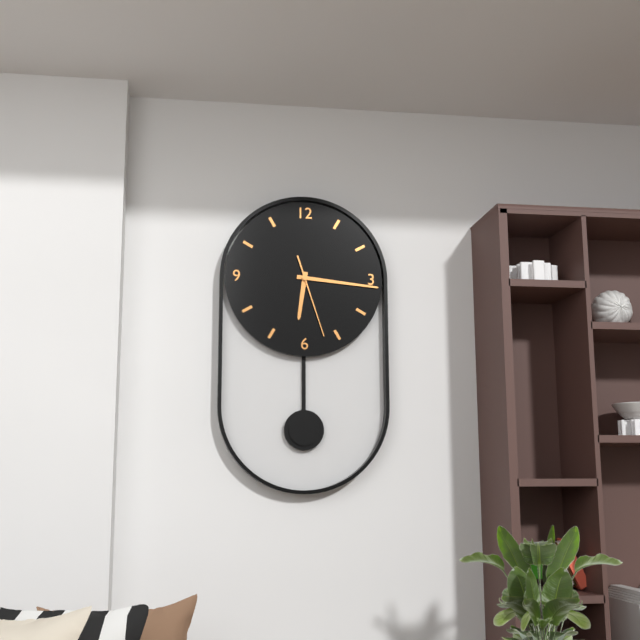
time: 6:16:27
